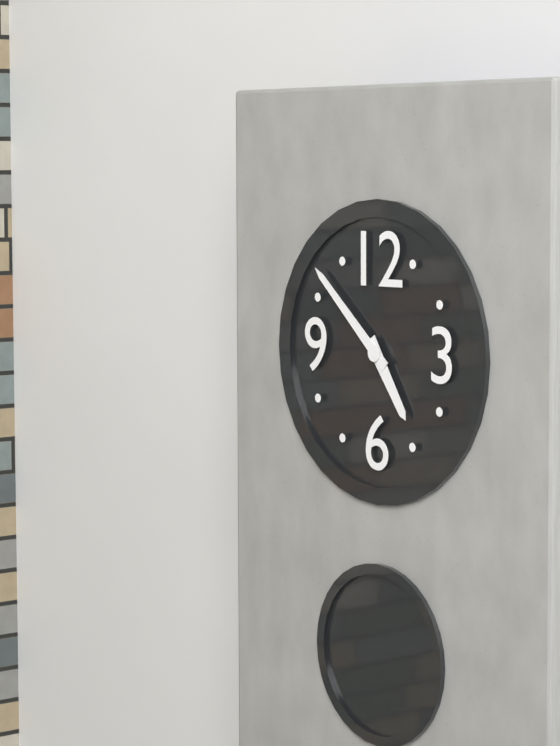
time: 4:52
